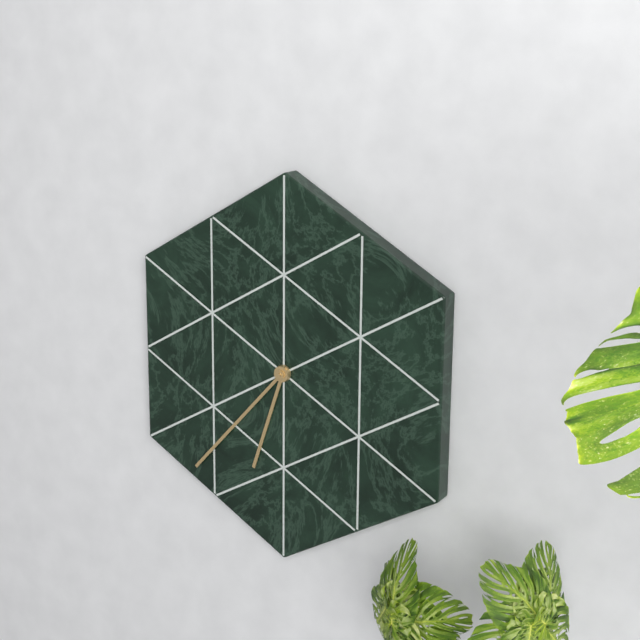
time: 6:37
